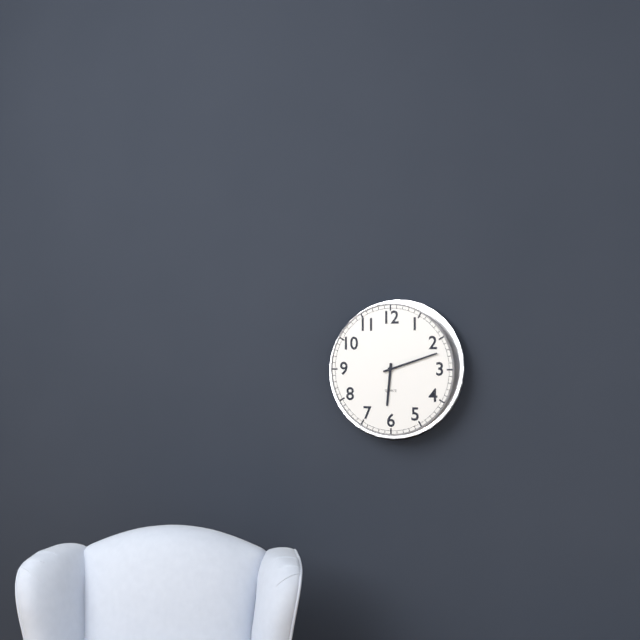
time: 6:12
